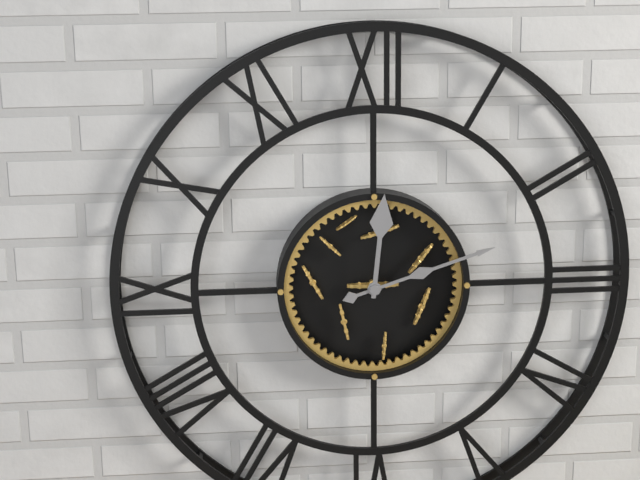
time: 12:12
